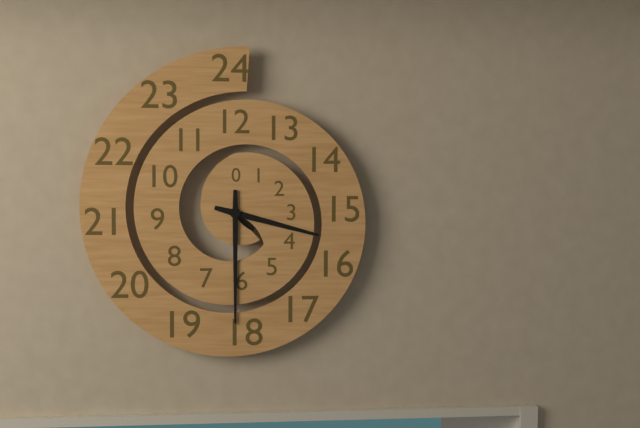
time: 3:30
